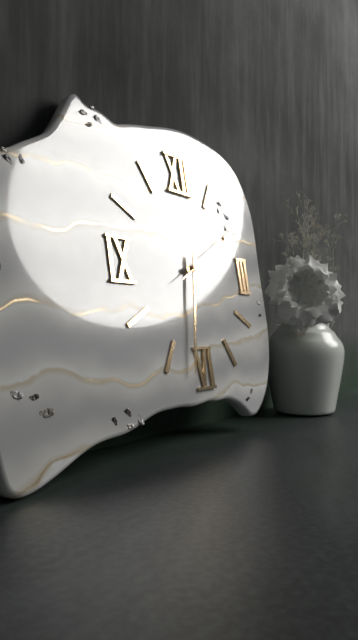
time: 2:32:10
